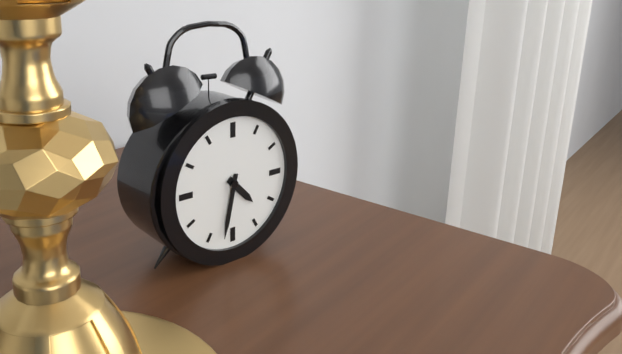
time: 4:32
